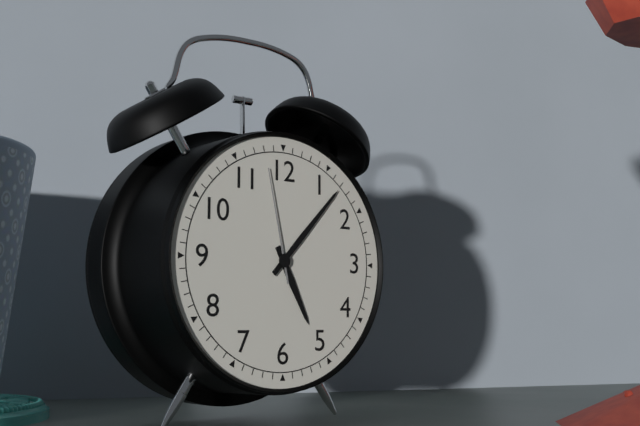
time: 5:07:58
